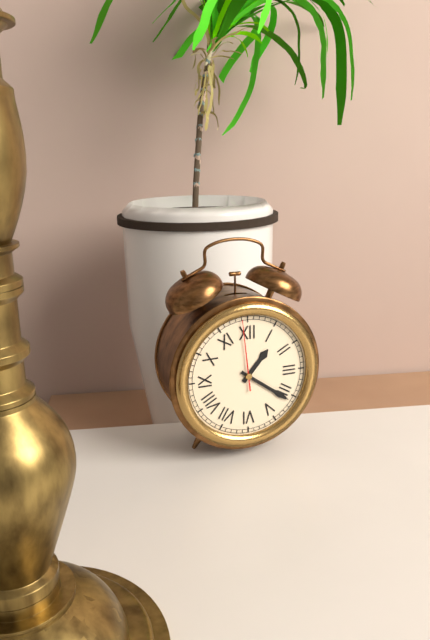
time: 1:21:59
